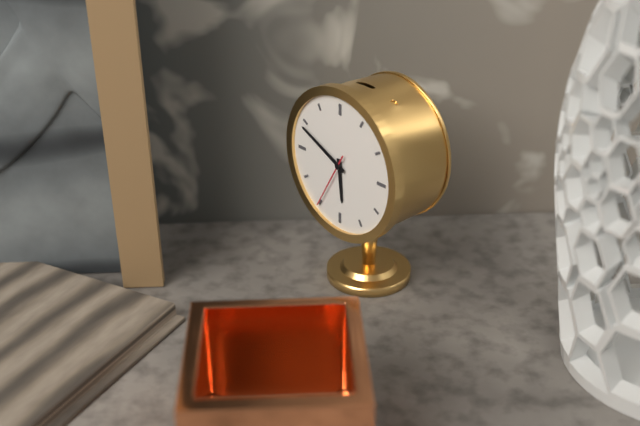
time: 5:49:35
